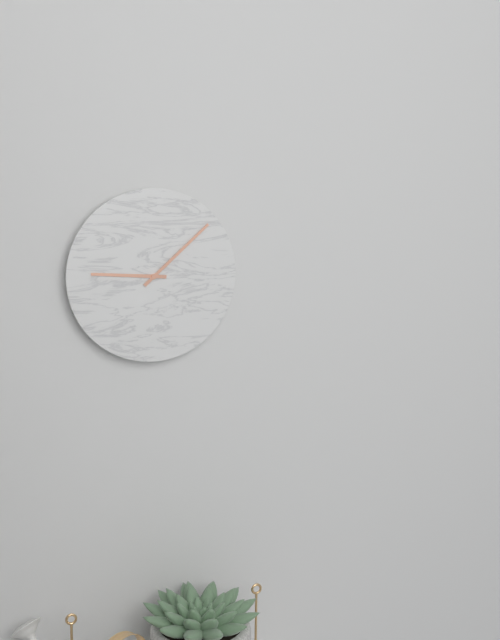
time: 9:08
